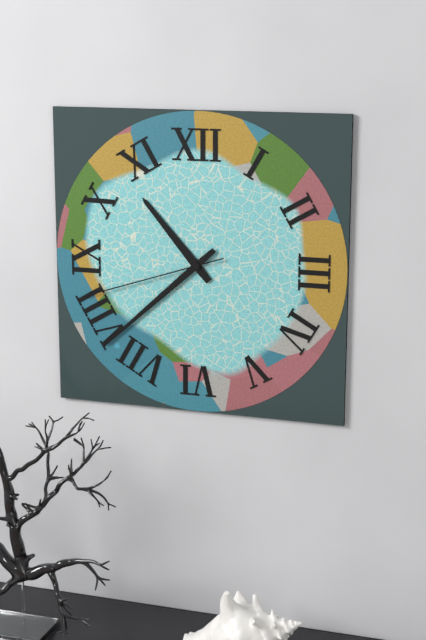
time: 10:38:42
